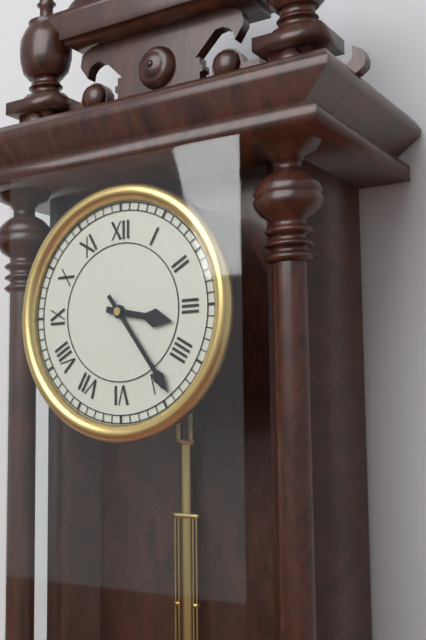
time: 3:24
